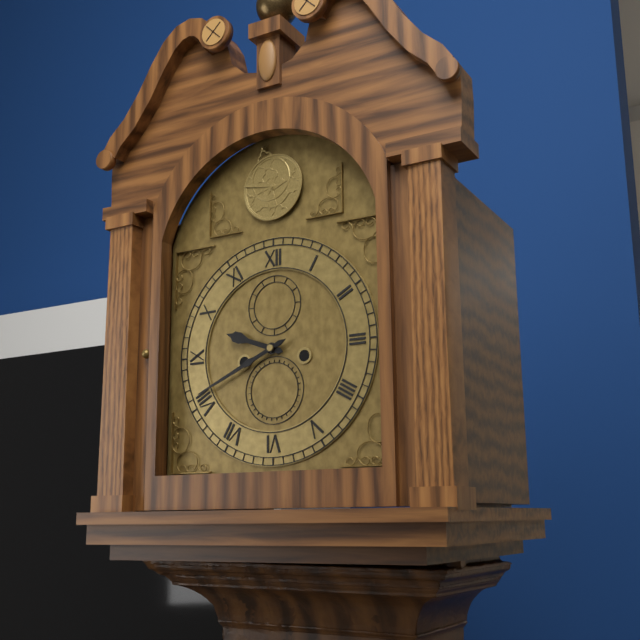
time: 9:41
